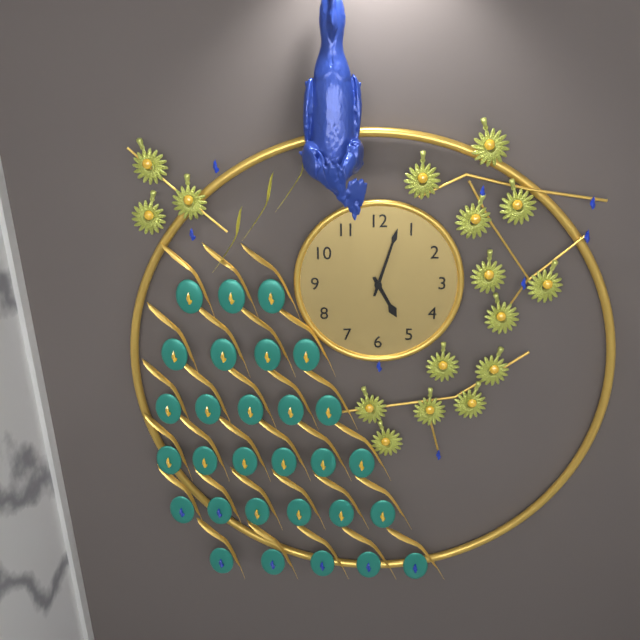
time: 5:03
